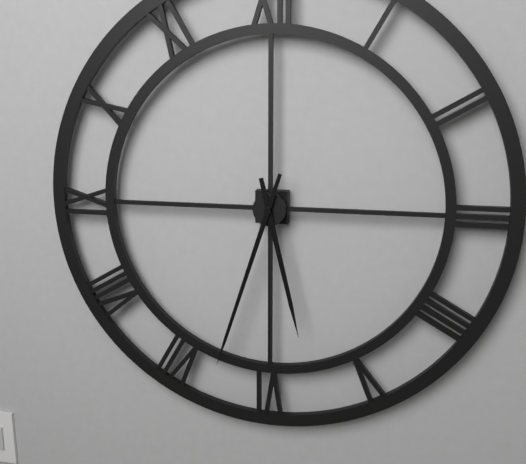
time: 5:33
